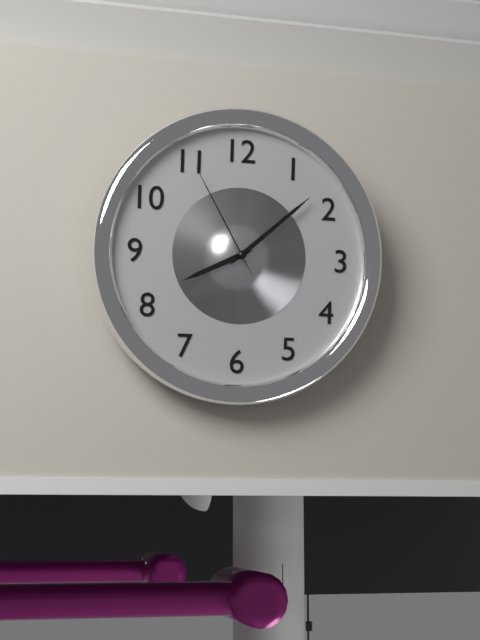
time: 8:08:55
